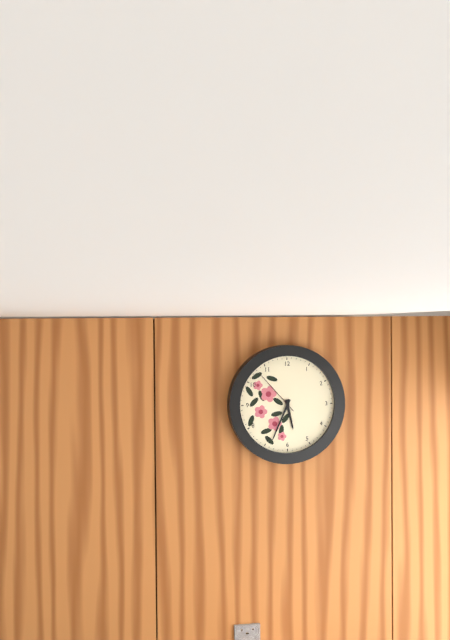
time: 5:34:53
